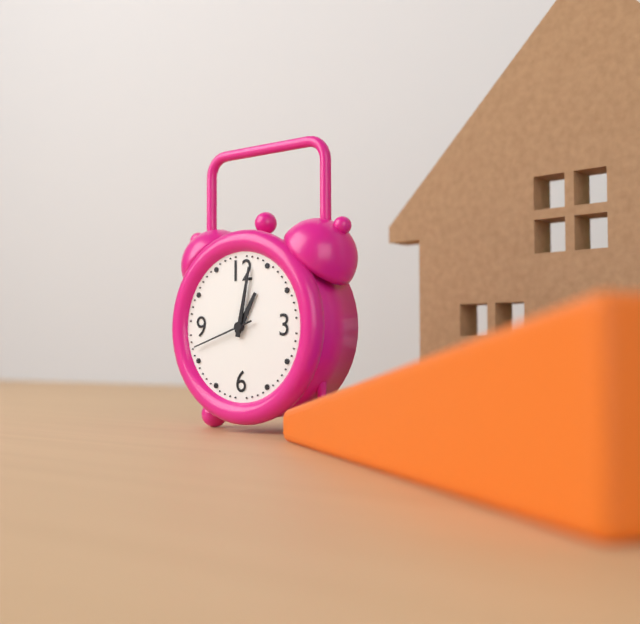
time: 1:02:42
